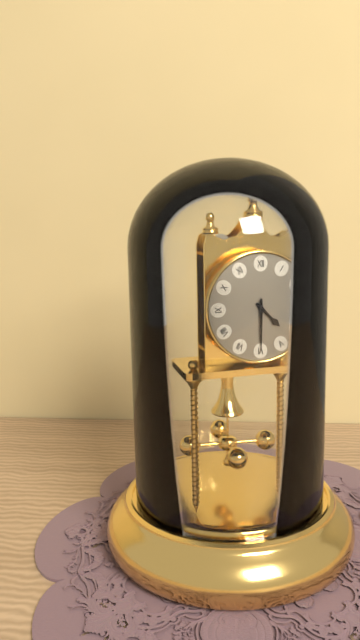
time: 4:30
